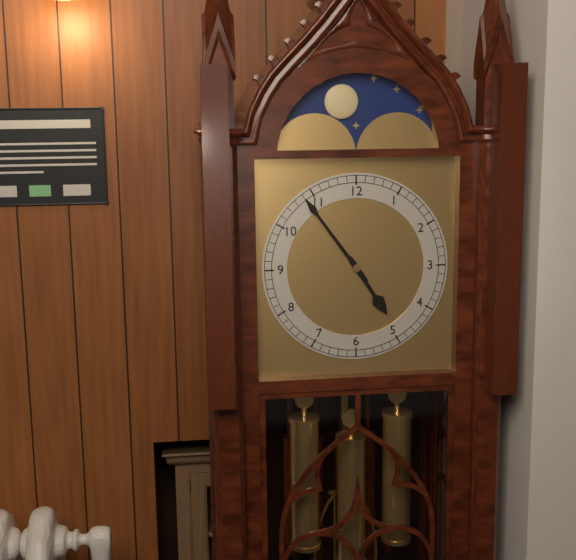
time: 4:54
